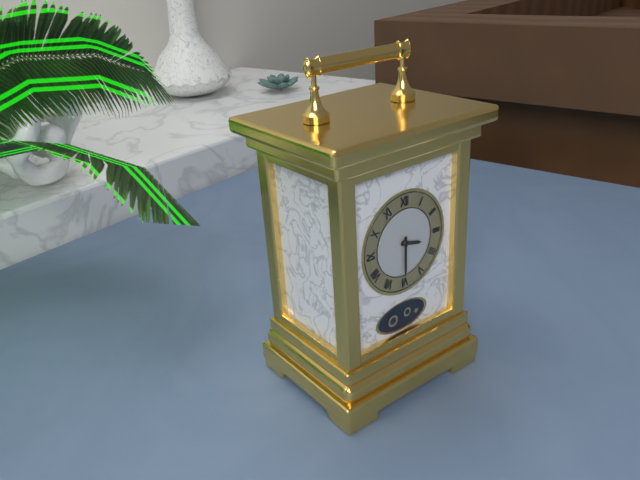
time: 3:30
